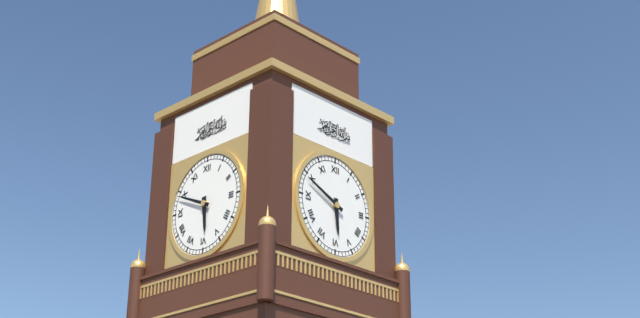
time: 5:49
